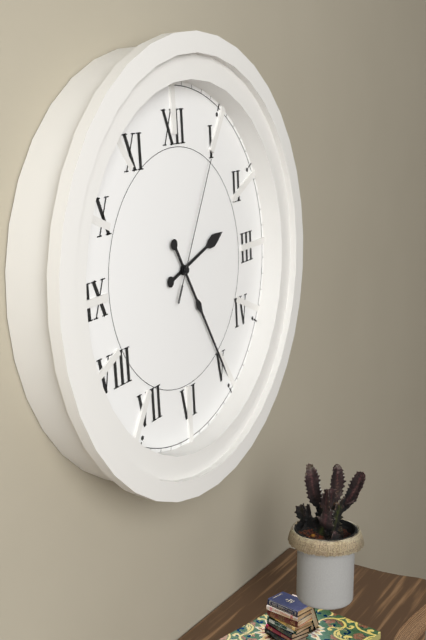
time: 2:25:05
